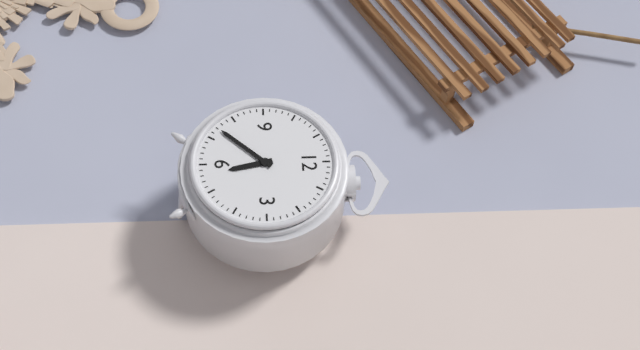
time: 5:37
